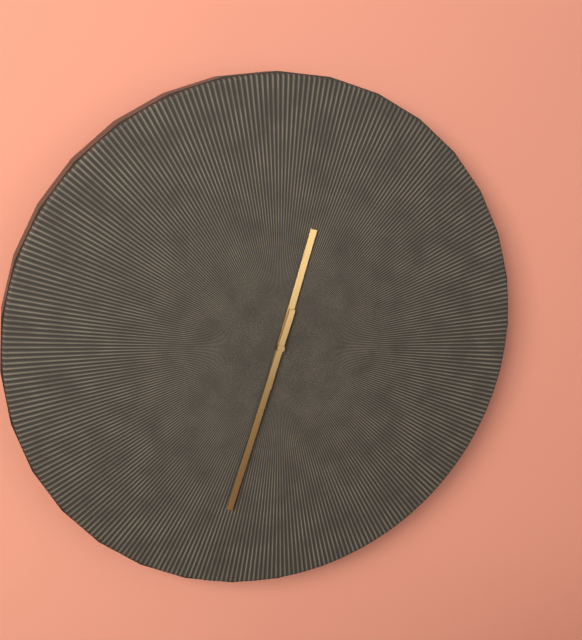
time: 12:33
